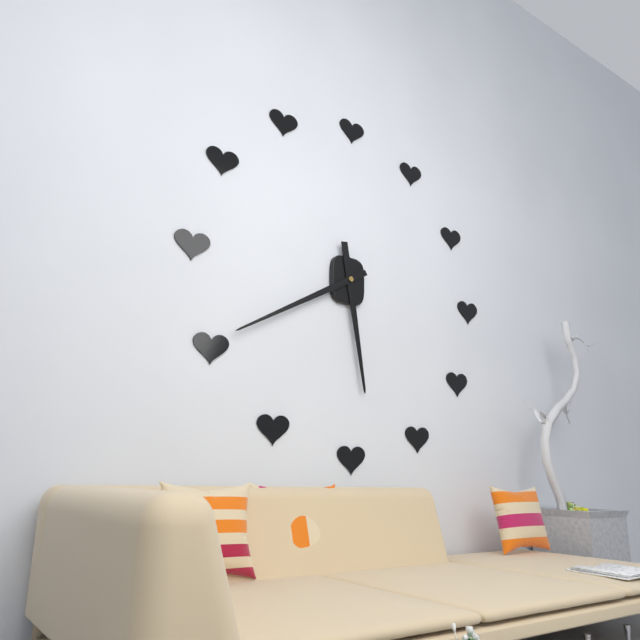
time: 5:40
